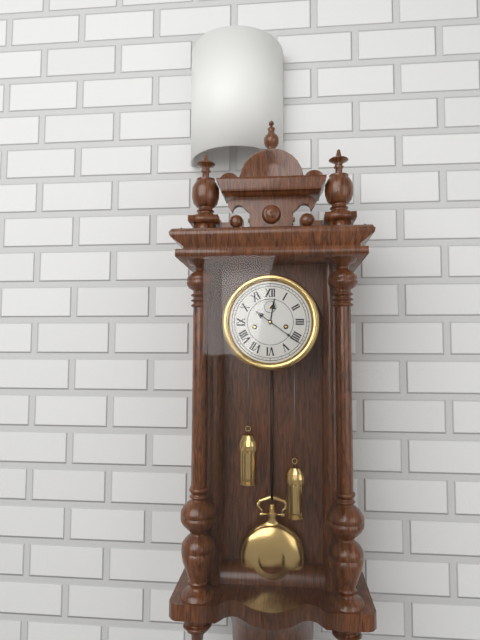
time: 12:21
